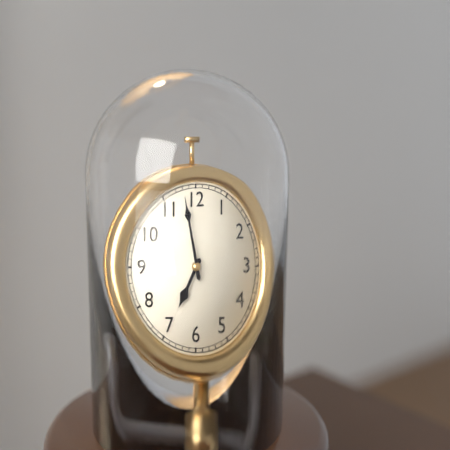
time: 6:58
